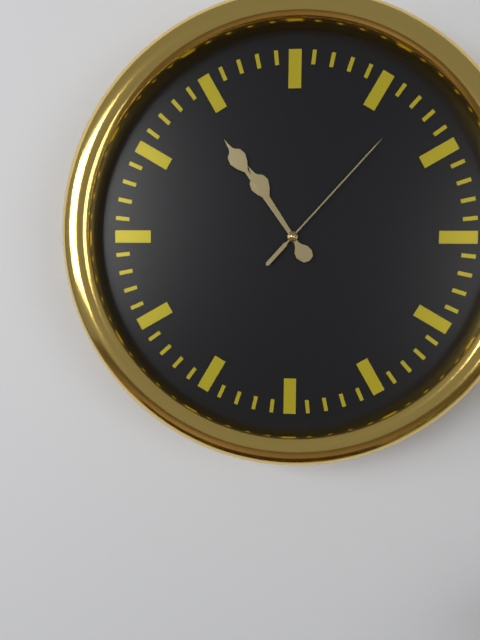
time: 10:54:07
